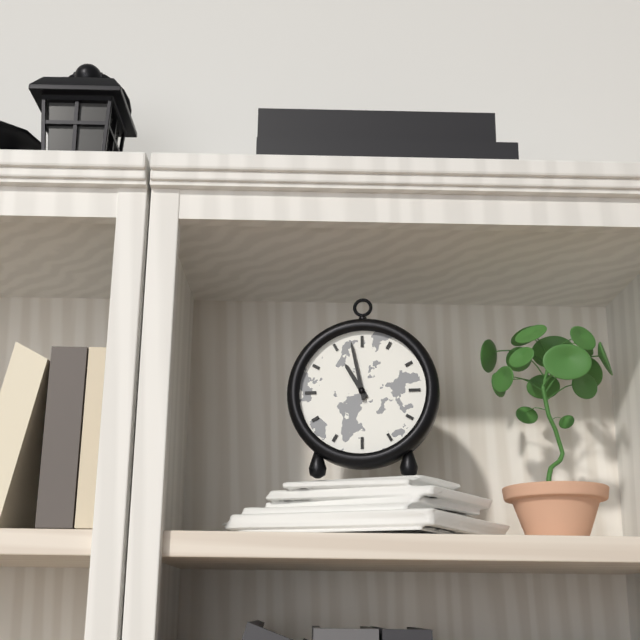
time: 10:58
